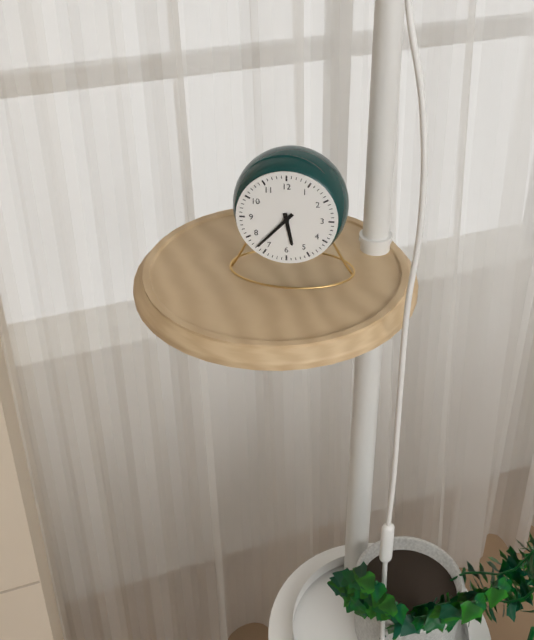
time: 5:37
